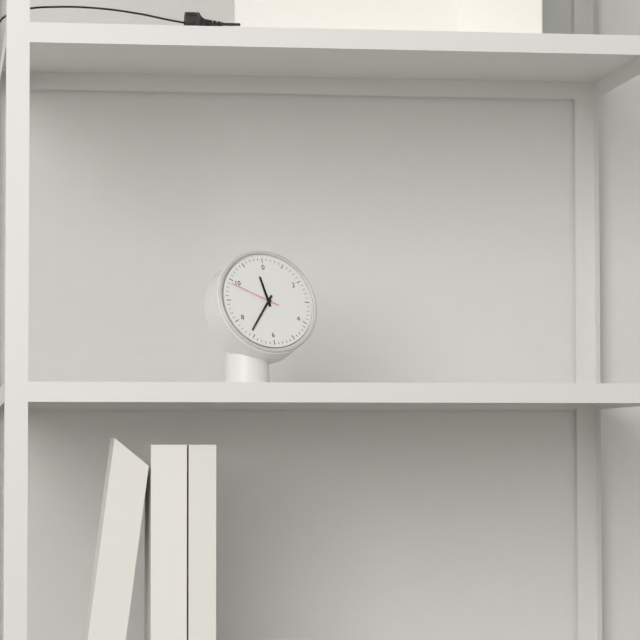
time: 11:36:49
